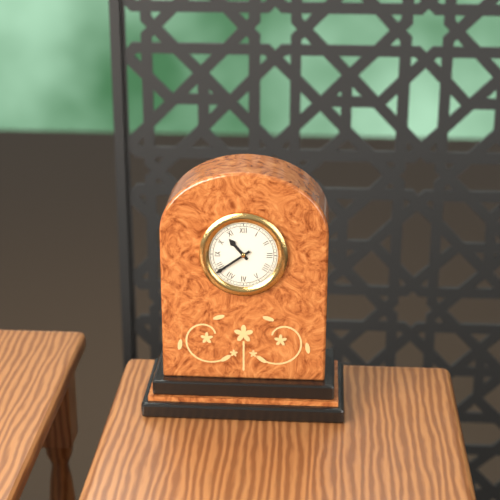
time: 10:39
